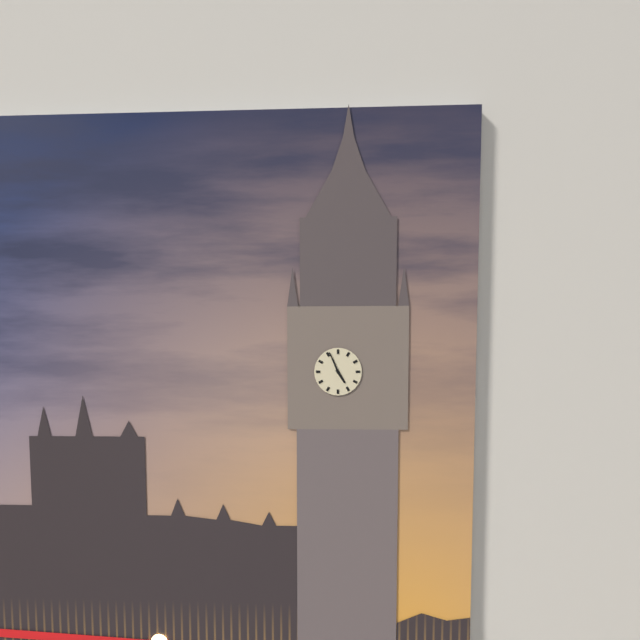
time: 4:56
